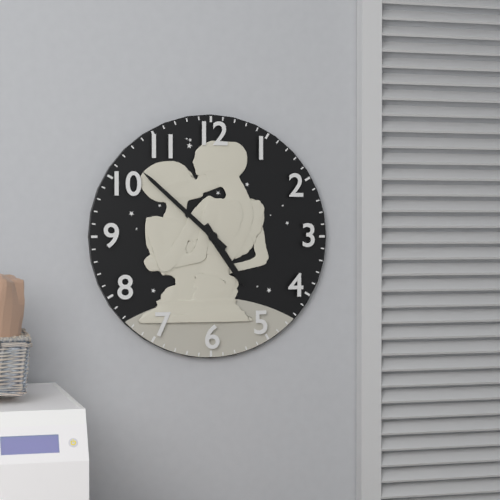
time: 4:52
